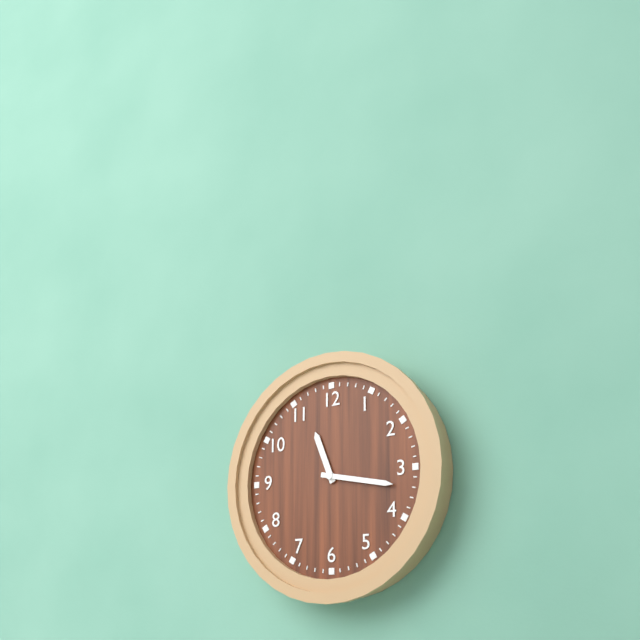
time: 11:17
